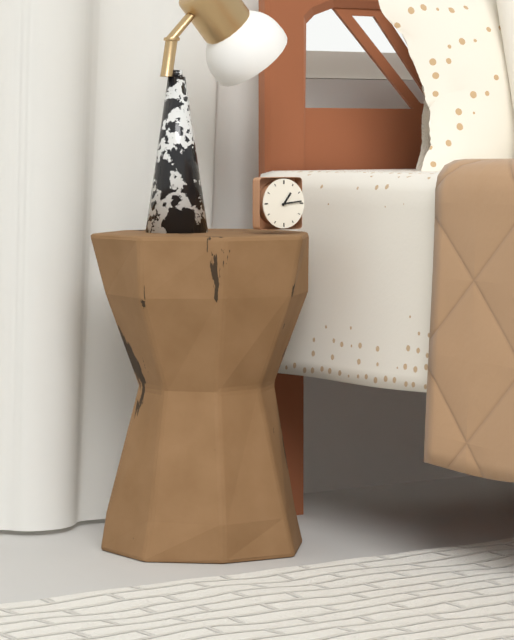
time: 1:14
